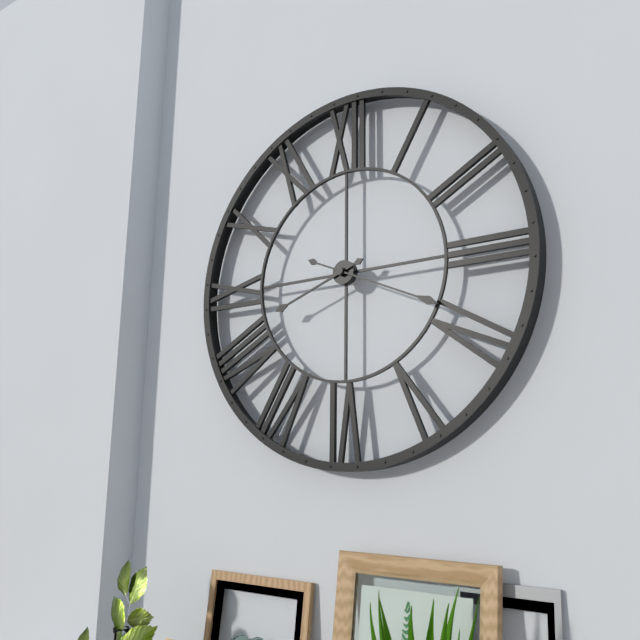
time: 8:19
